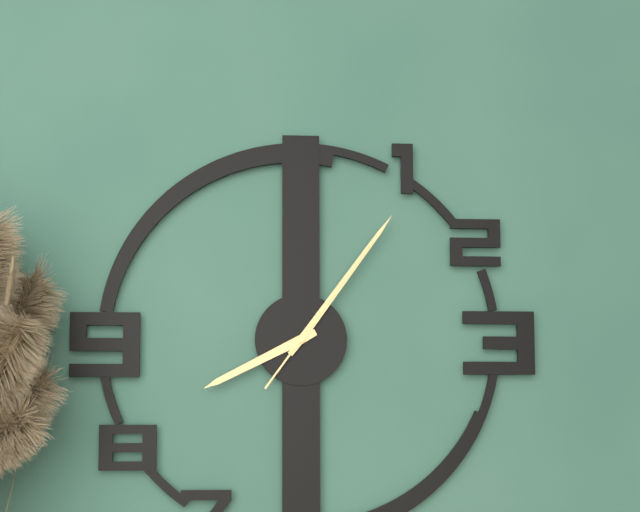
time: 8:06:06
